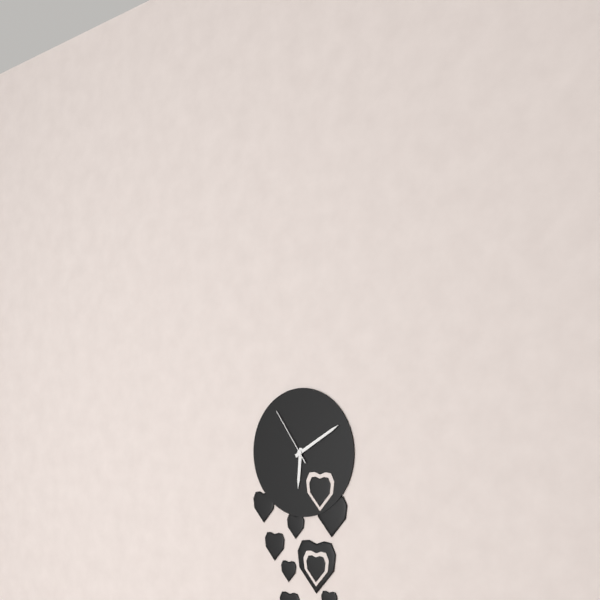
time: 6:10:54
